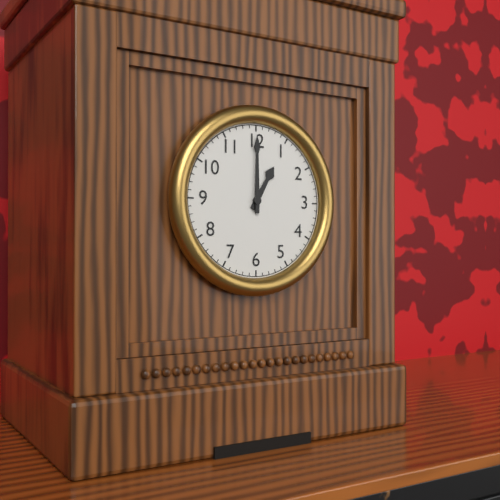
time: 1:00
